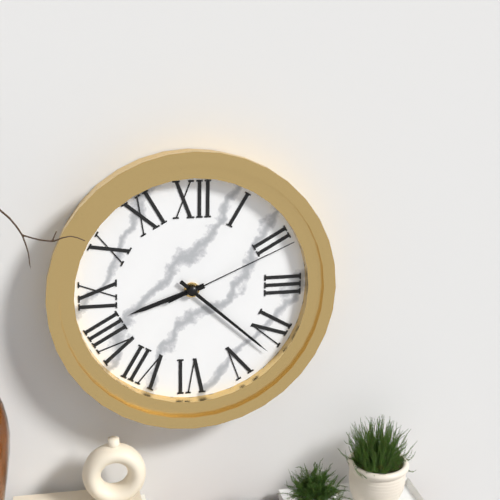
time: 8:22:11
